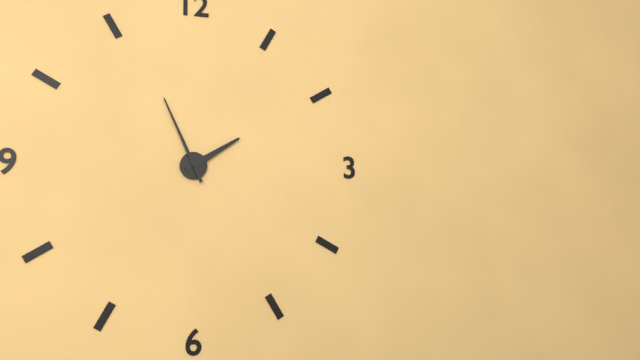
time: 1:56
